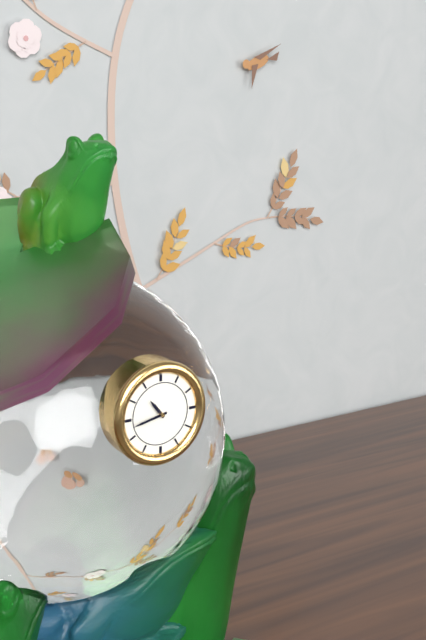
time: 10:43
